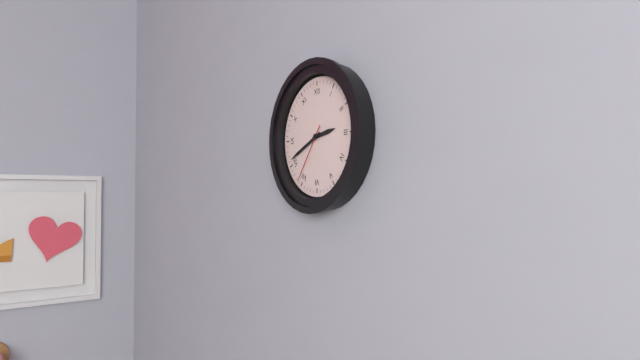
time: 2:41:36
